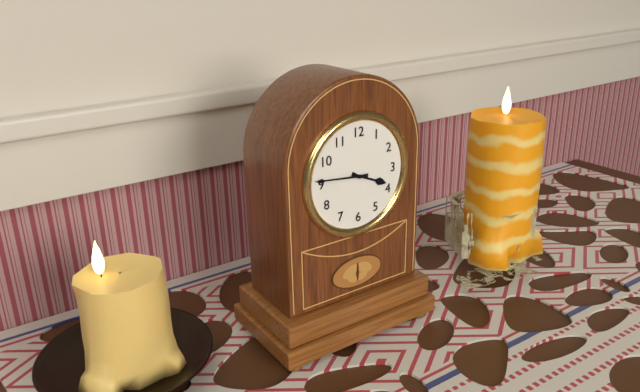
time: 3:46
